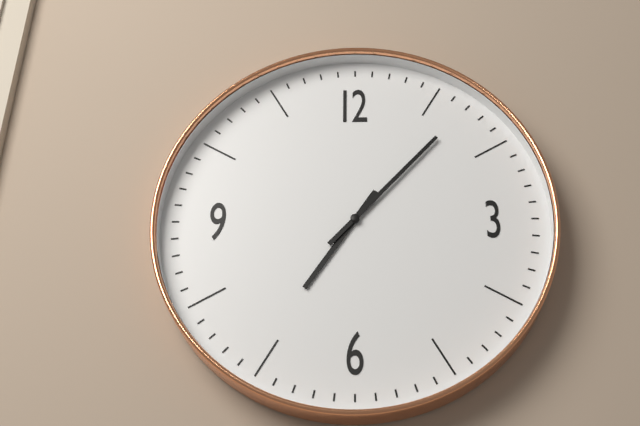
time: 7:07
